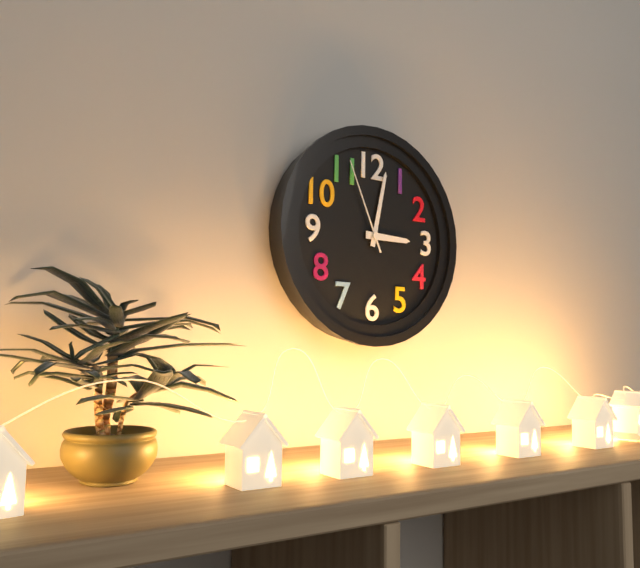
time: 3:02:56
